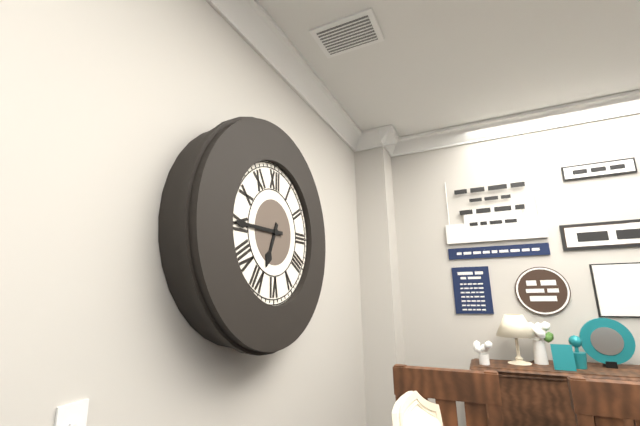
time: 6:45
